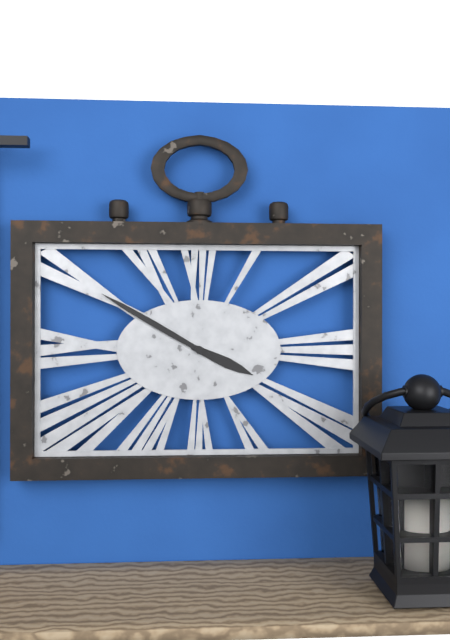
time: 3:50
